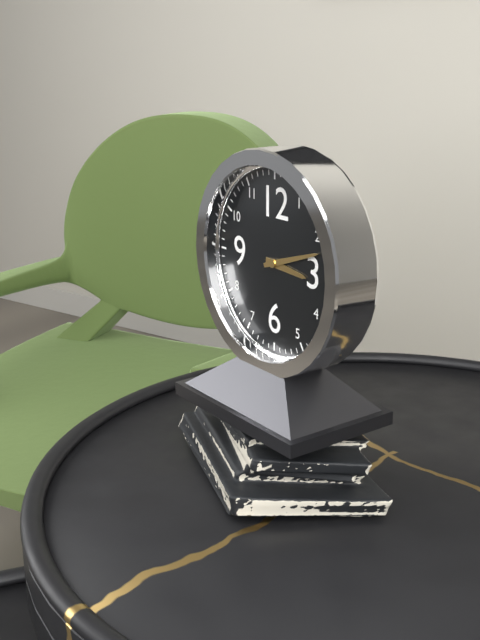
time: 3:12
